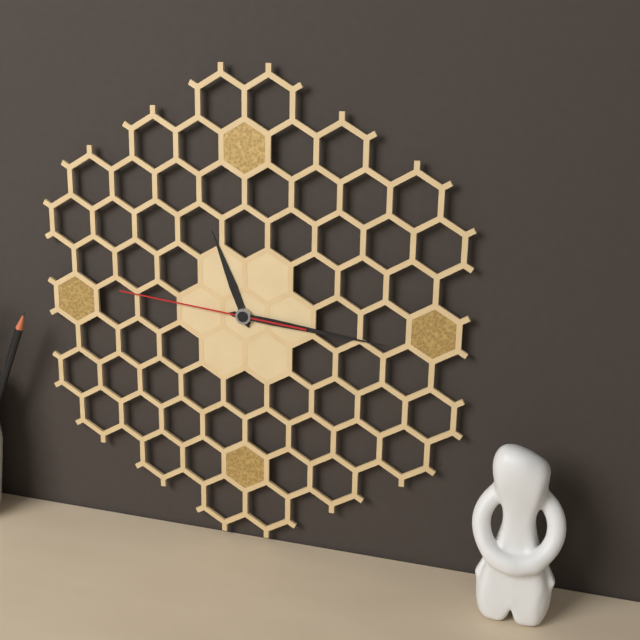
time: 11:16:46
